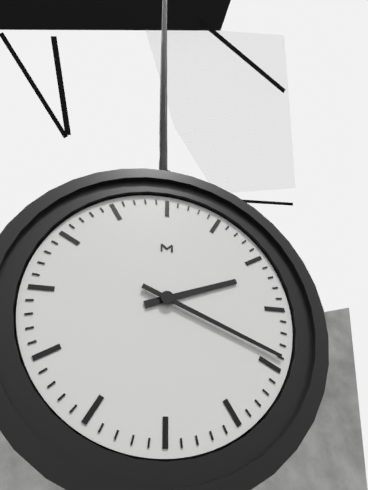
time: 2:19
